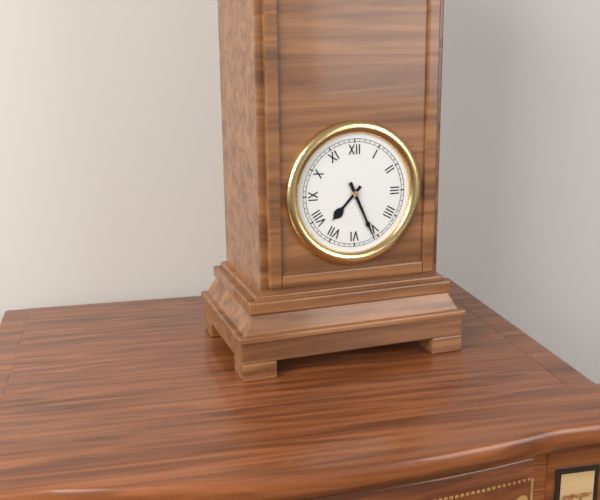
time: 7:26
